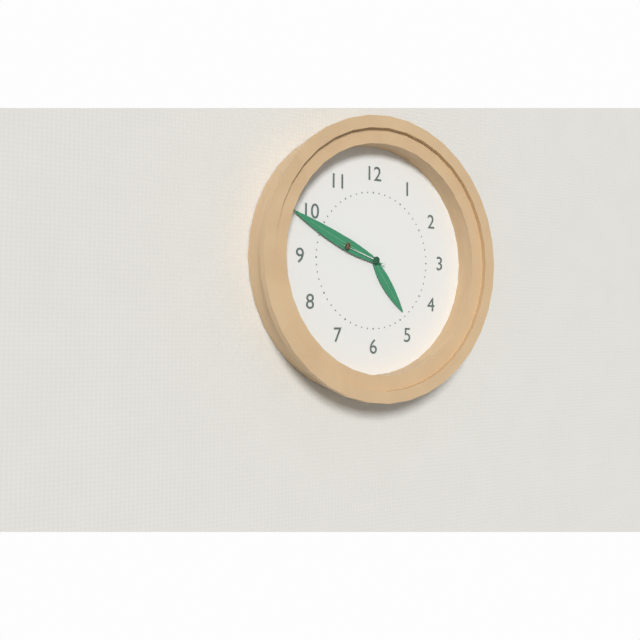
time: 4:49
